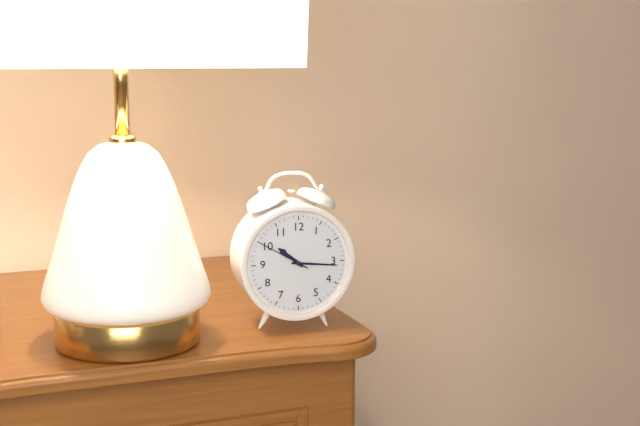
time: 10:16:50
